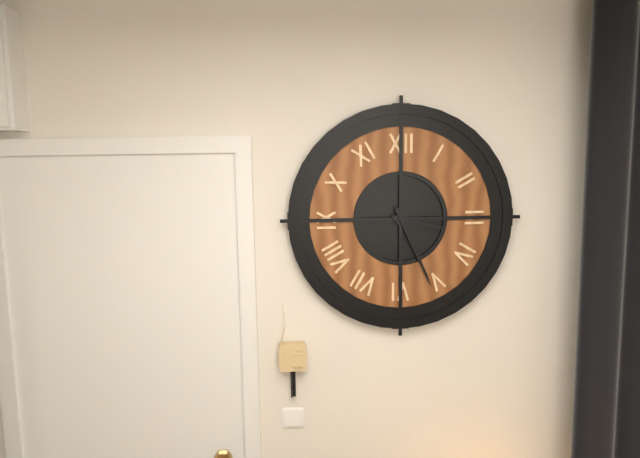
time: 3:26
